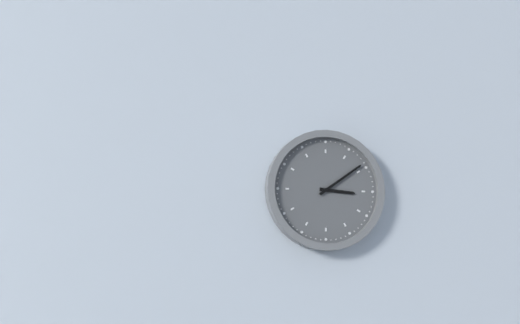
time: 3:09
